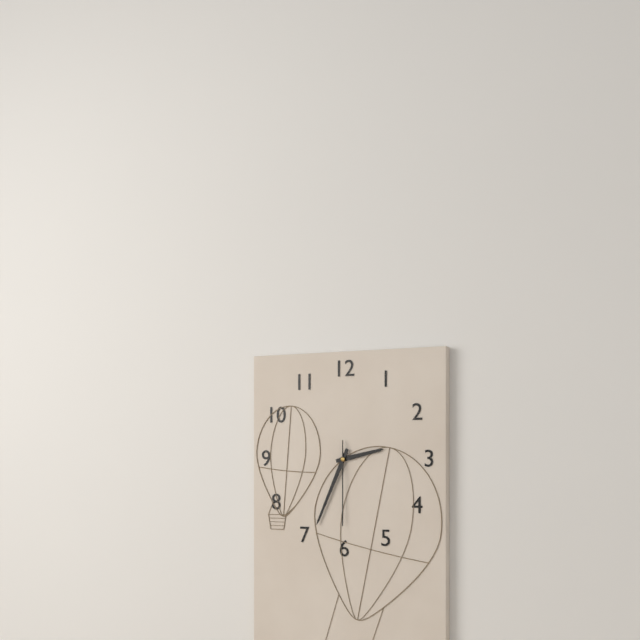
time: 2:34:30
